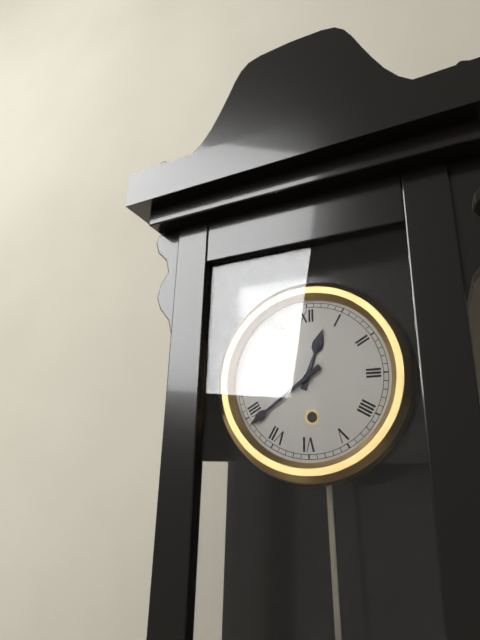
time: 12:39
